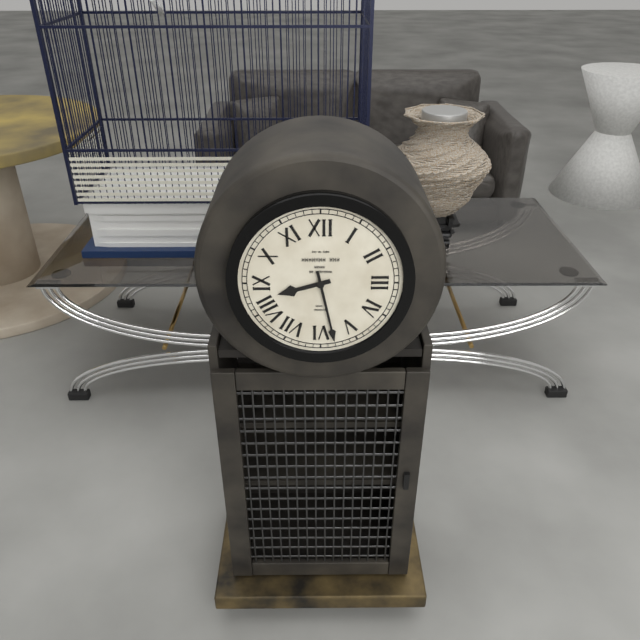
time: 8:28
